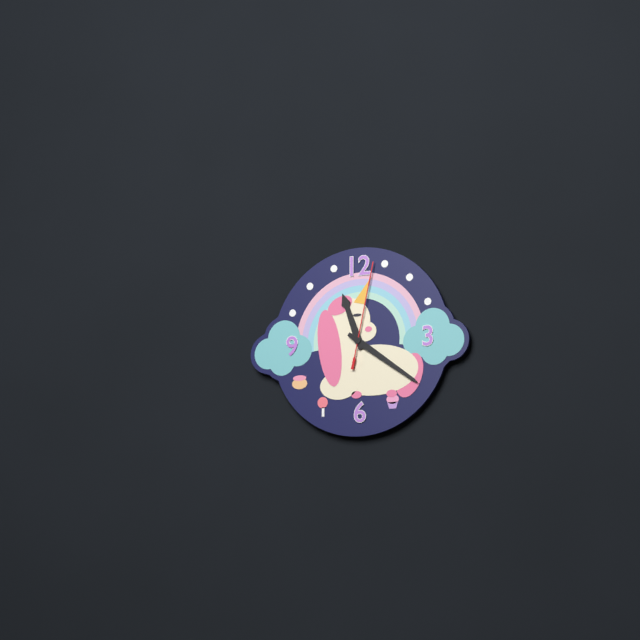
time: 11:21:02
